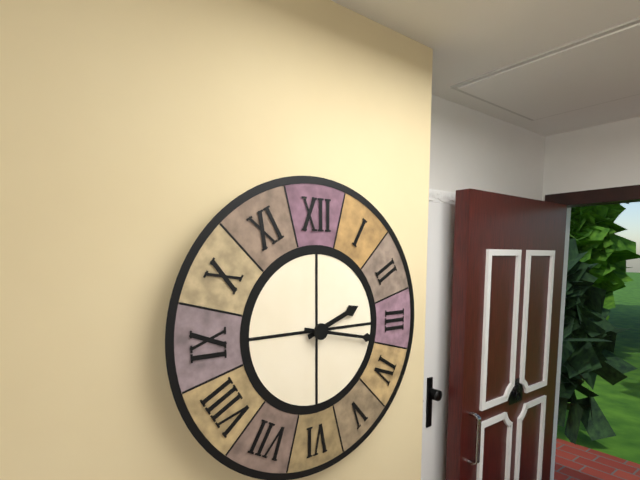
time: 2:17
